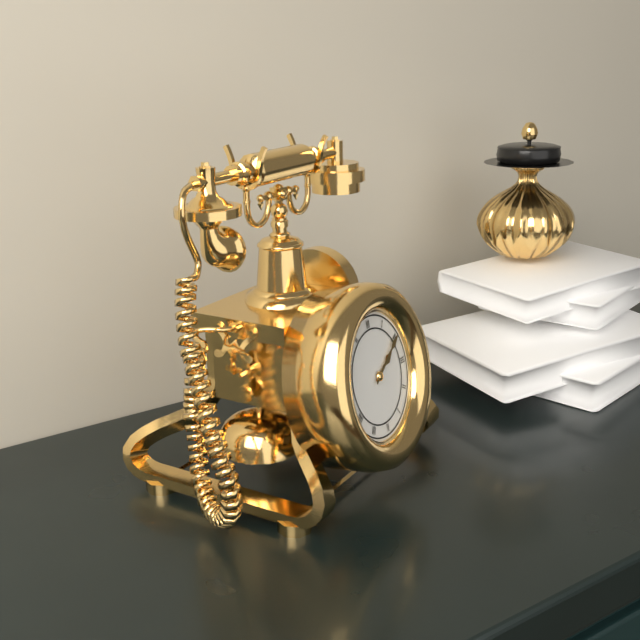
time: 2:10
